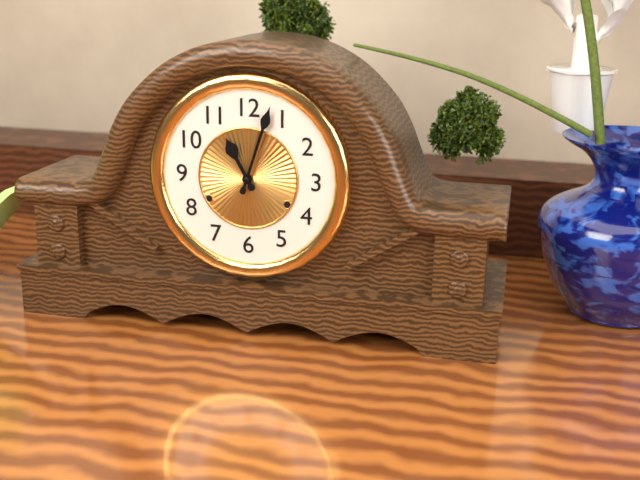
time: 11:03
